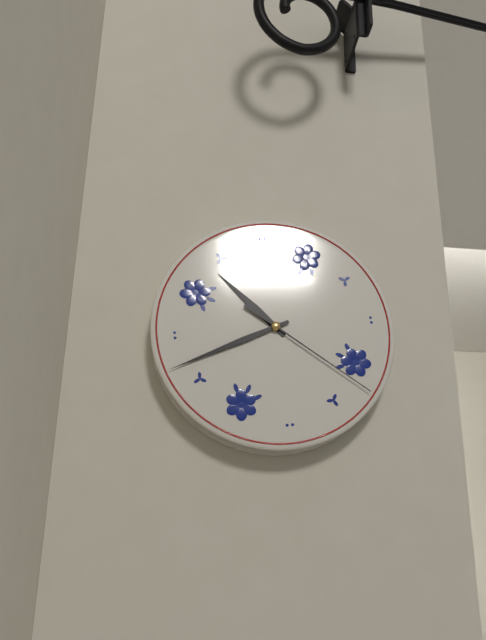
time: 10:42:22
